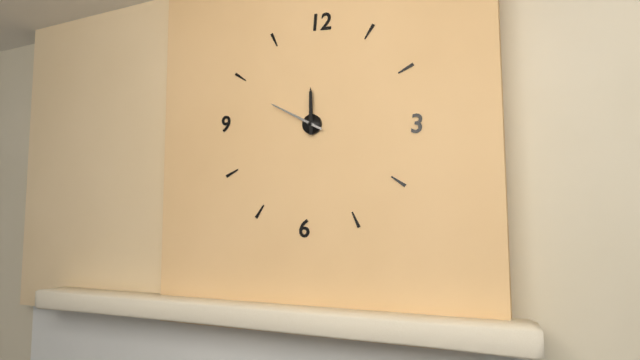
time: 11:49
